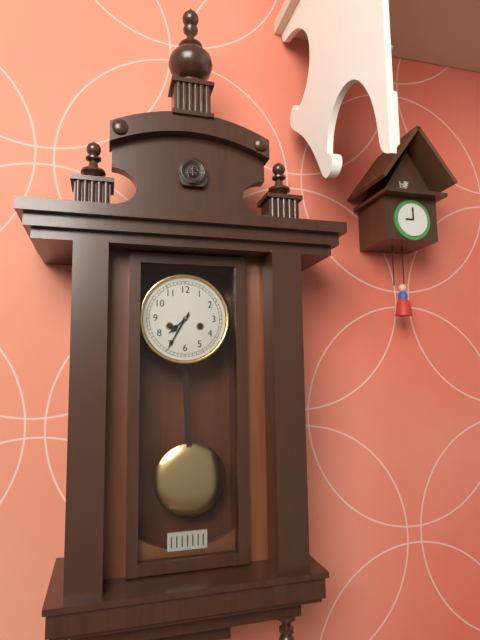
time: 7:35
